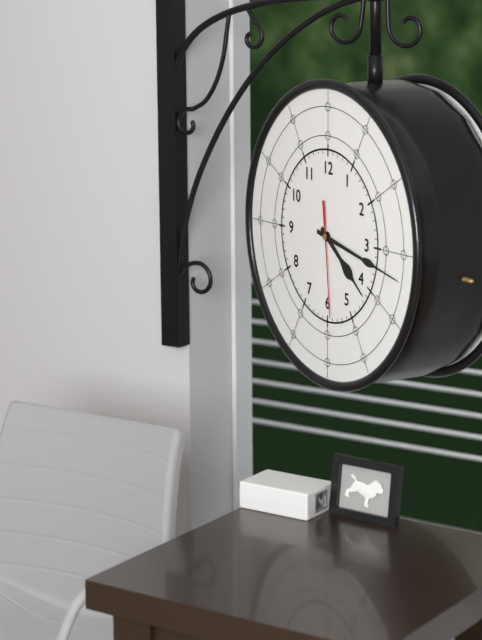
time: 4:17:29
